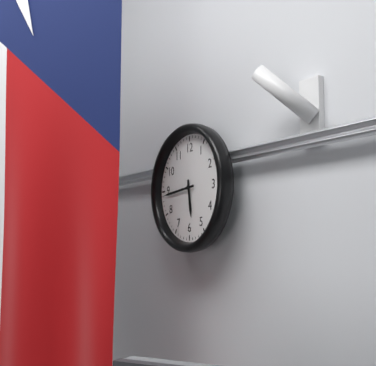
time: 5:44
